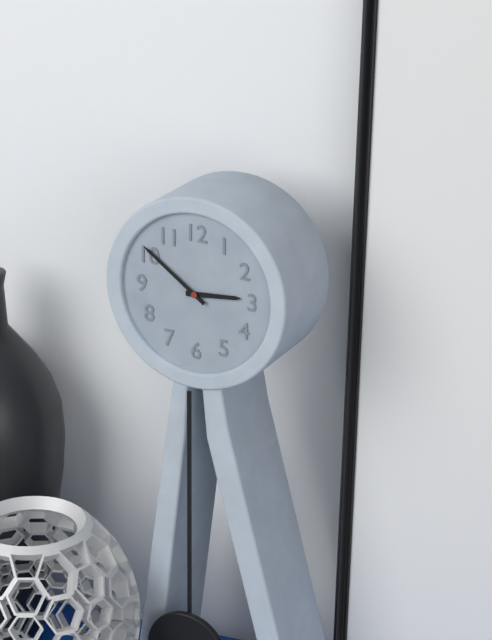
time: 2:51
